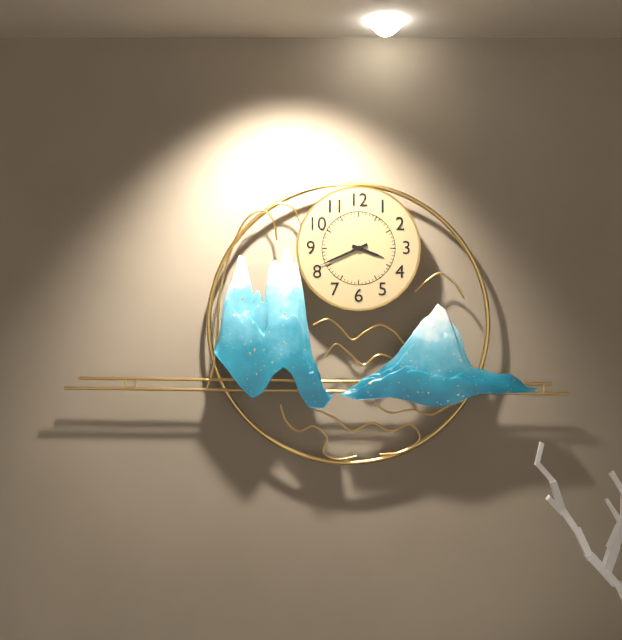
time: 3:41
